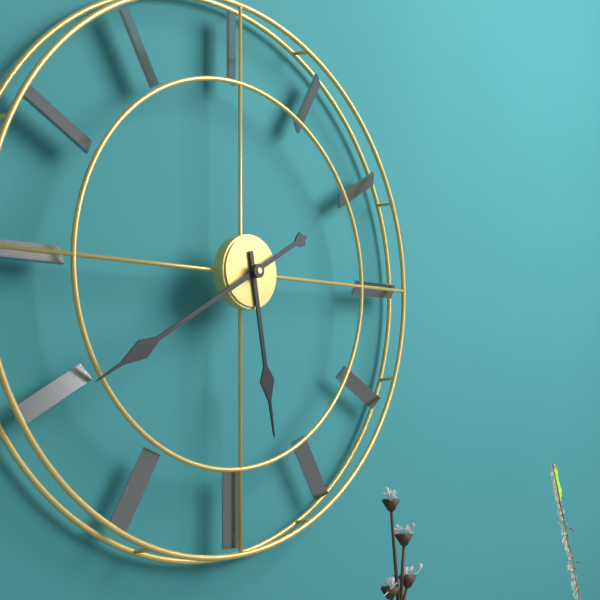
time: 5:40
